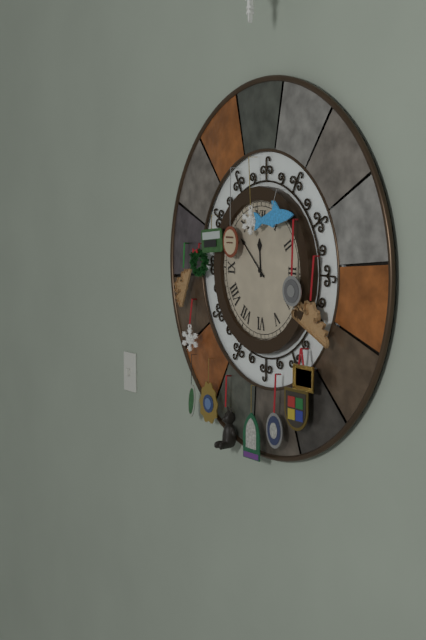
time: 11:52
